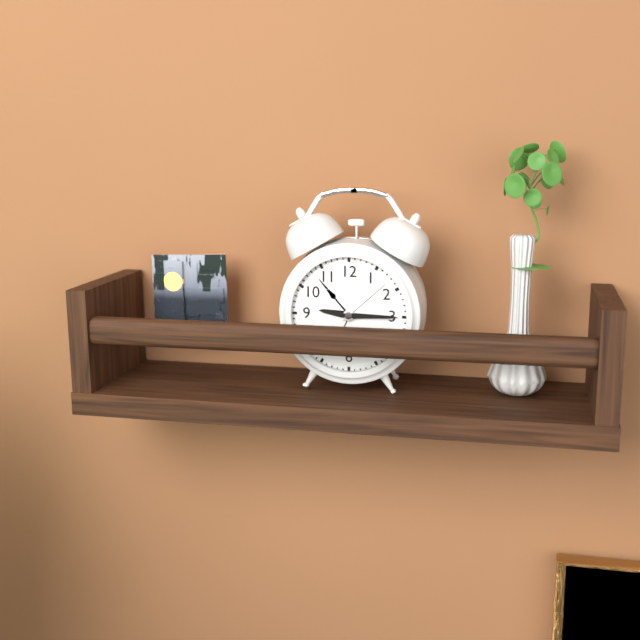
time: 9:15
